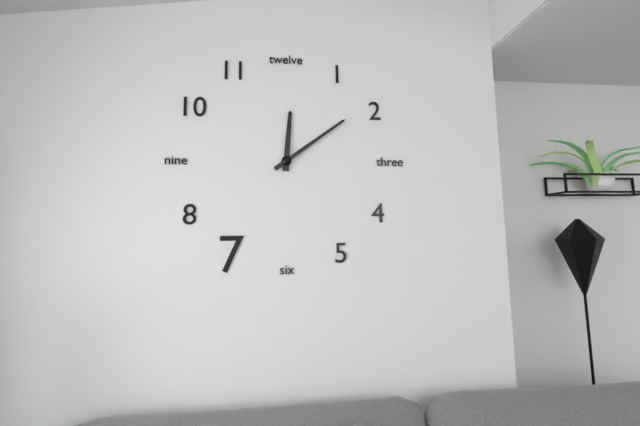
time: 12:09
